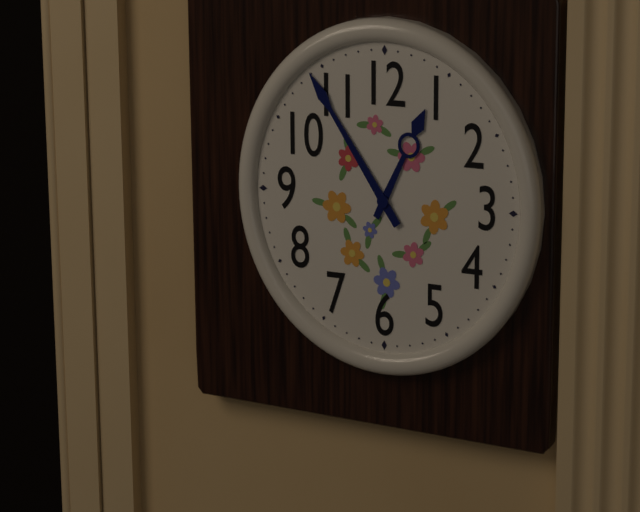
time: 12:54
